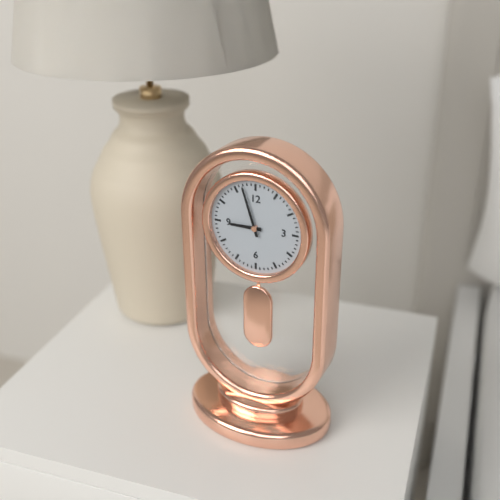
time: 8:57
